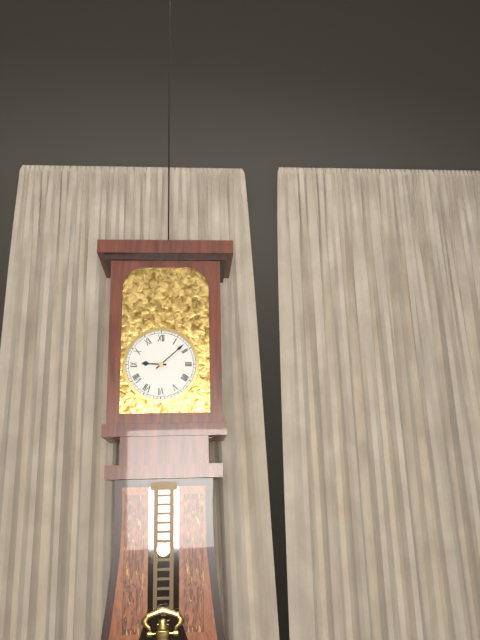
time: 9:08
